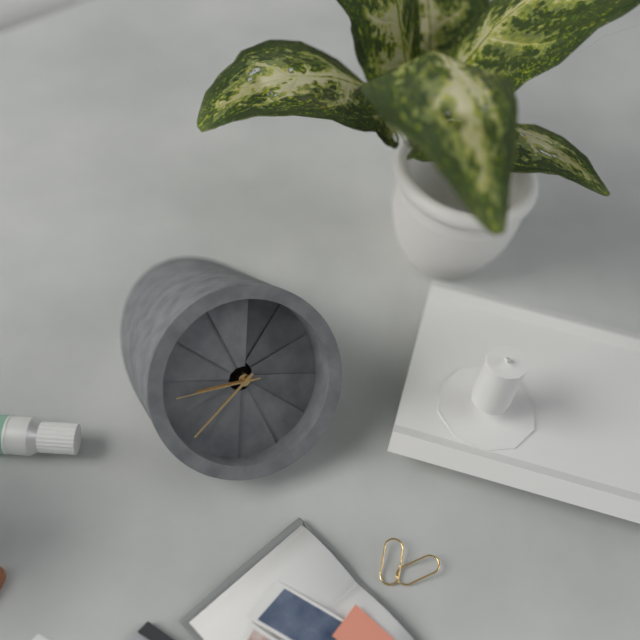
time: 8:37:43
